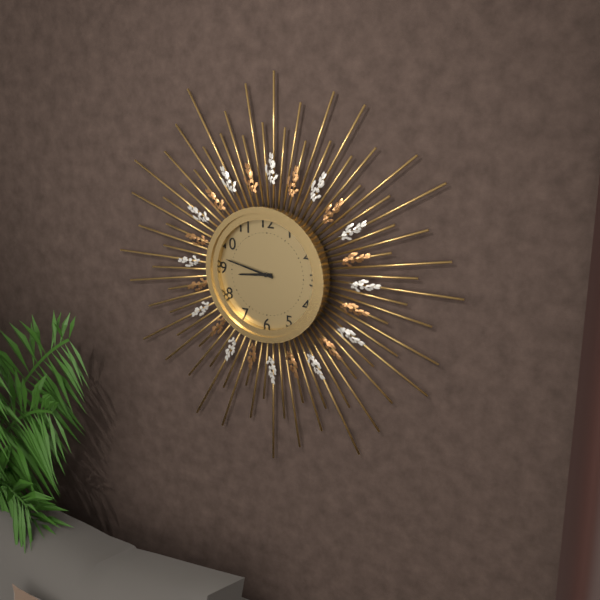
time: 8:47
